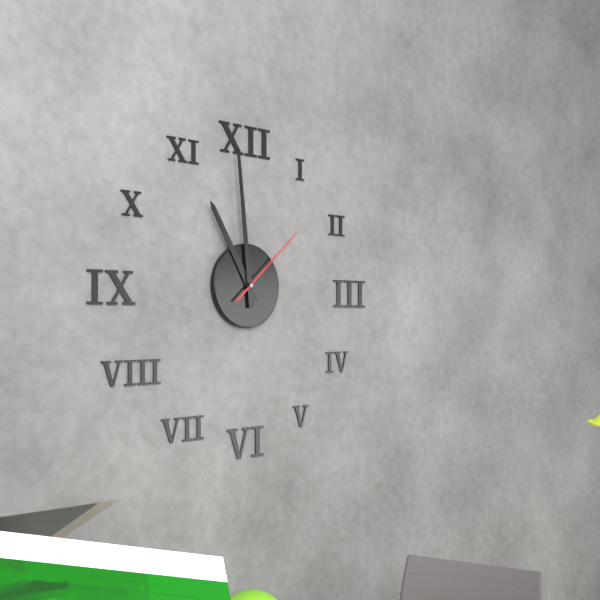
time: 10:59:08
